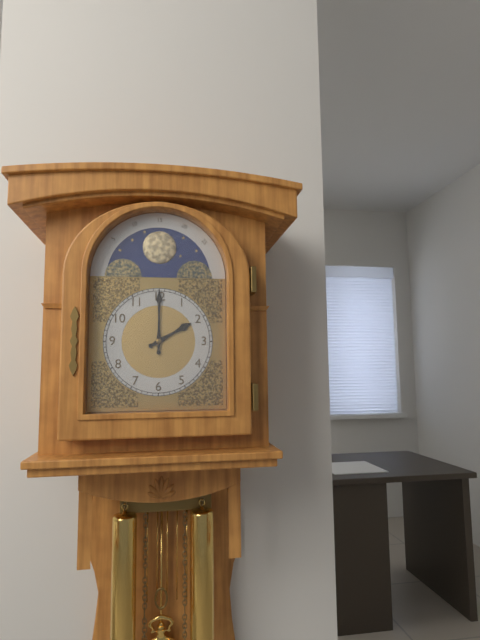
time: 2:00
